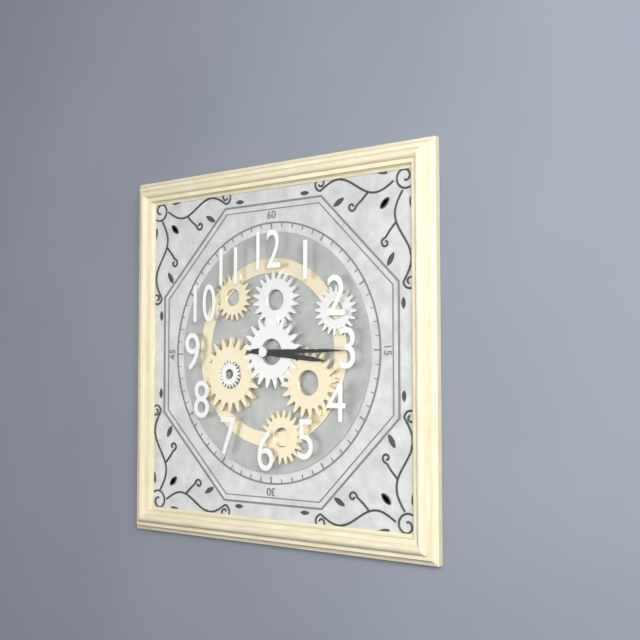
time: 3:15
